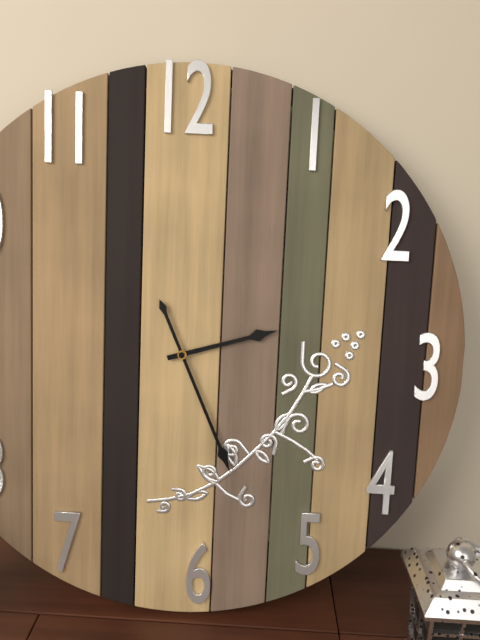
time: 2:26
